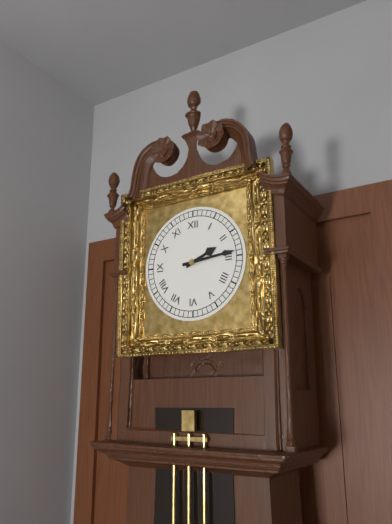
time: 2:14
